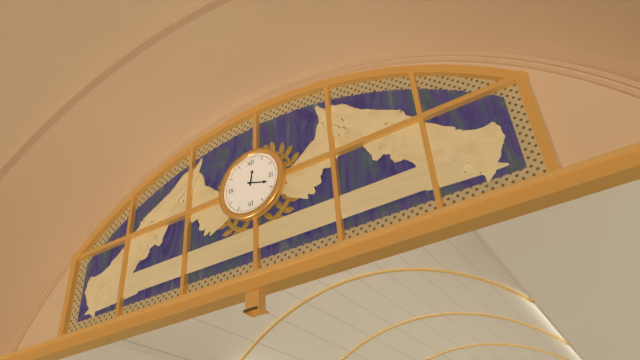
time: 12:18
